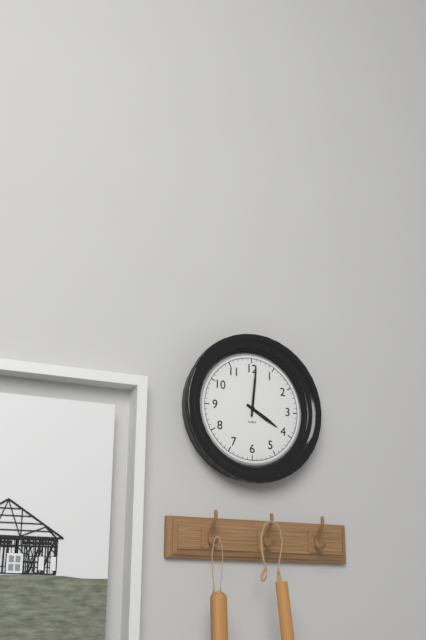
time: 4:01
